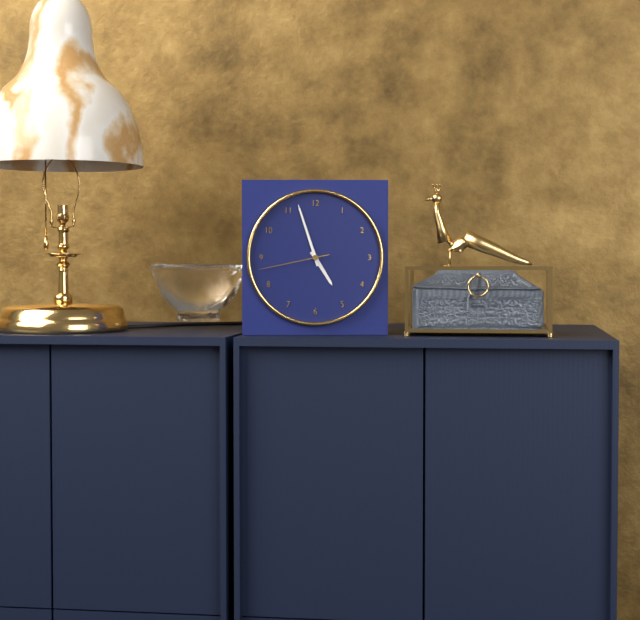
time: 4:57:43
